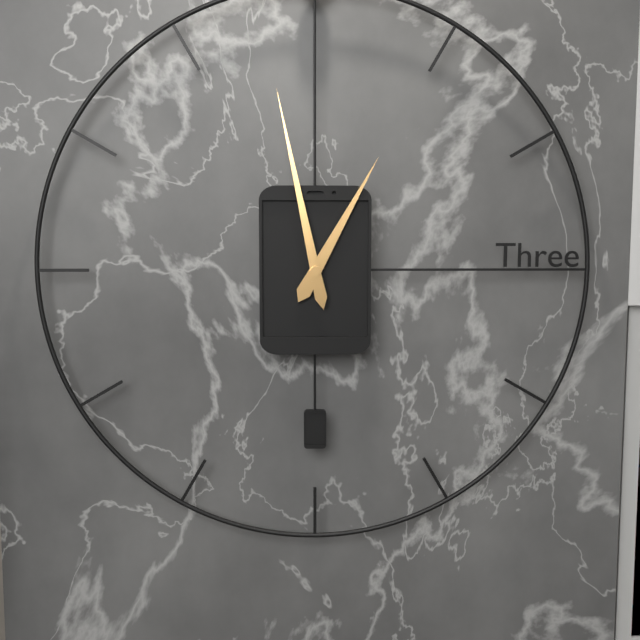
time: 12:58
